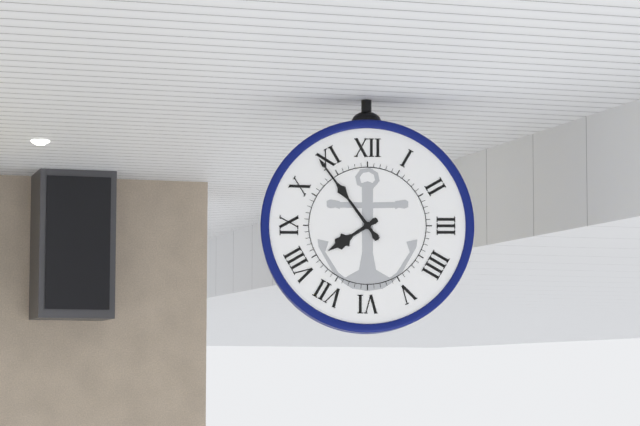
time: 7:54
